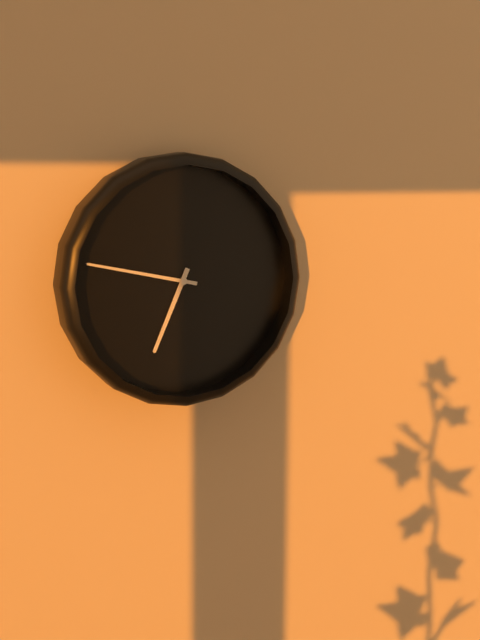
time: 6:47
